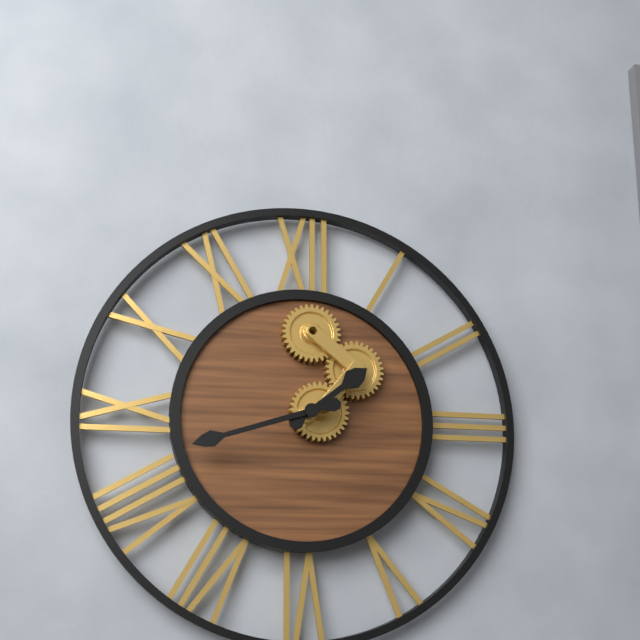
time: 1:42
